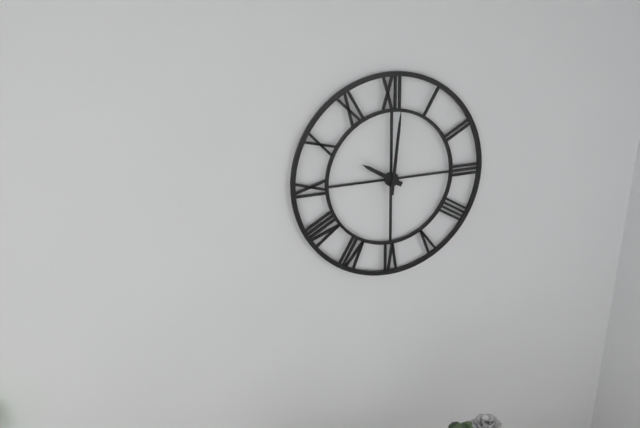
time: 10:01
